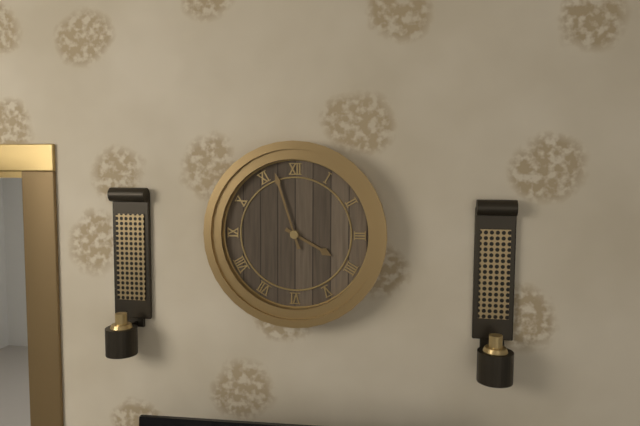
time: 3:57
